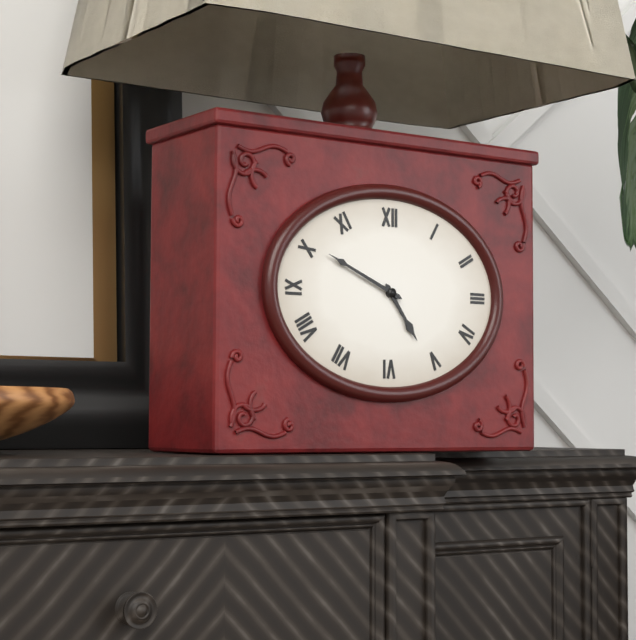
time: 4:49
